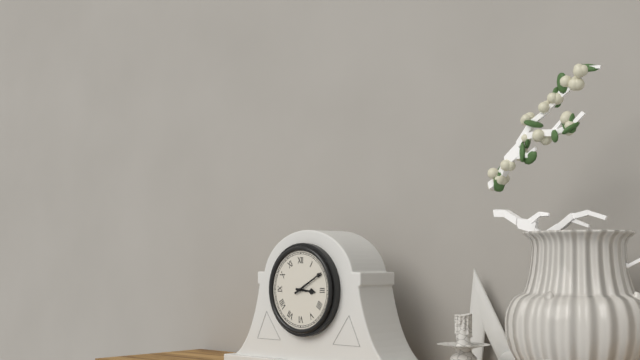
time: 3:10
